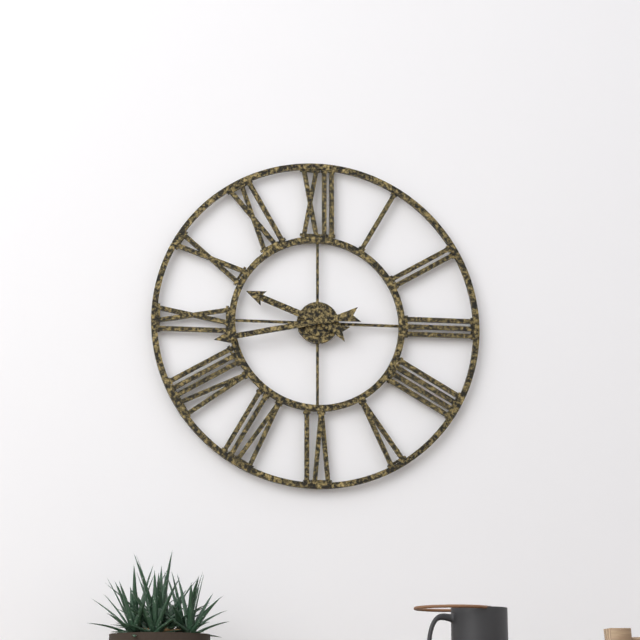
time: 9:43
